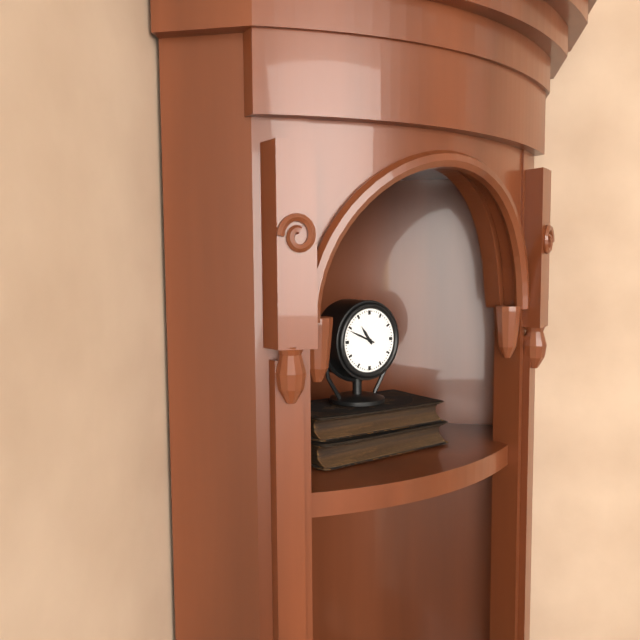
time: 10:49
